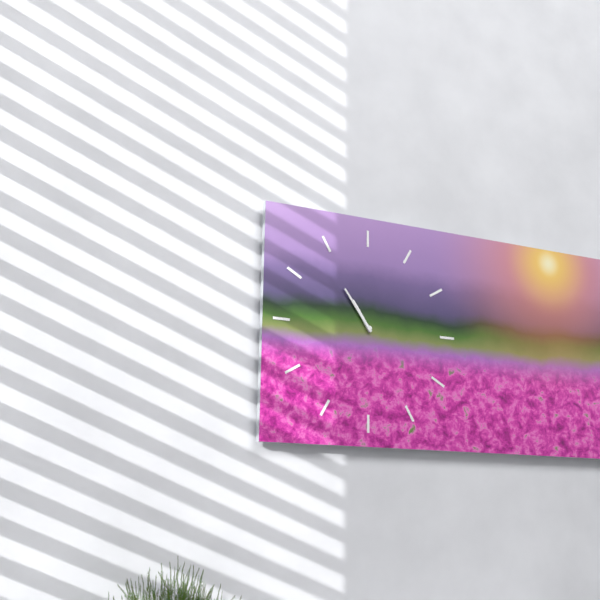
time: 10:54
